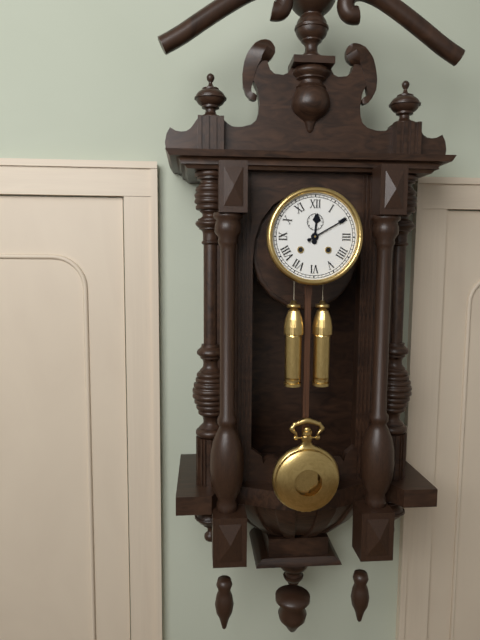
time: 12:10
